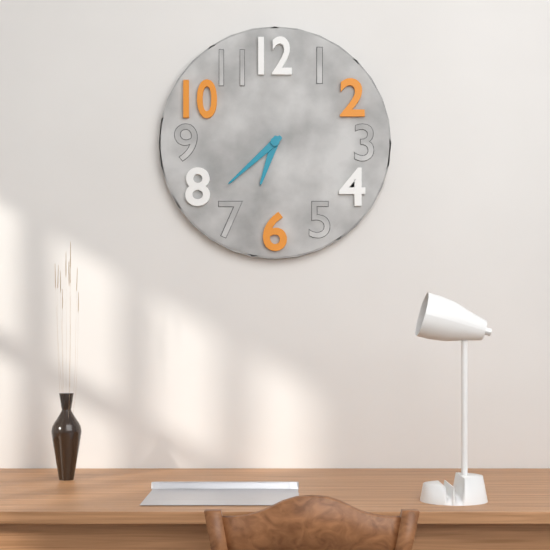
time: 6:38
